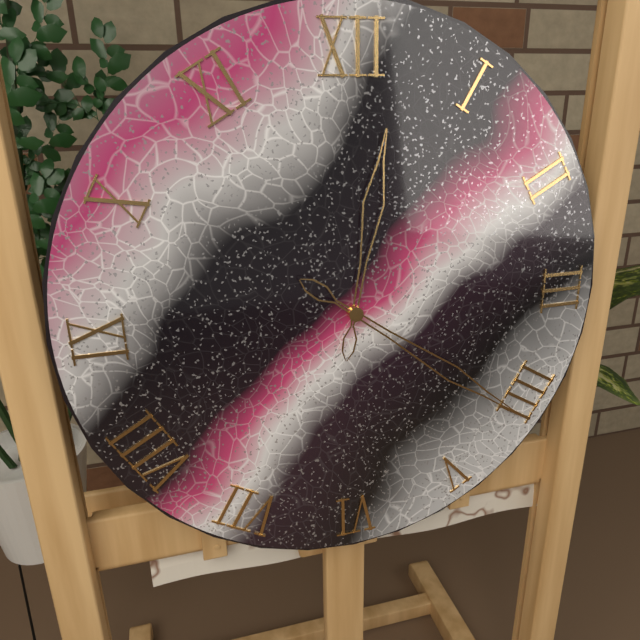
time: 12:21
